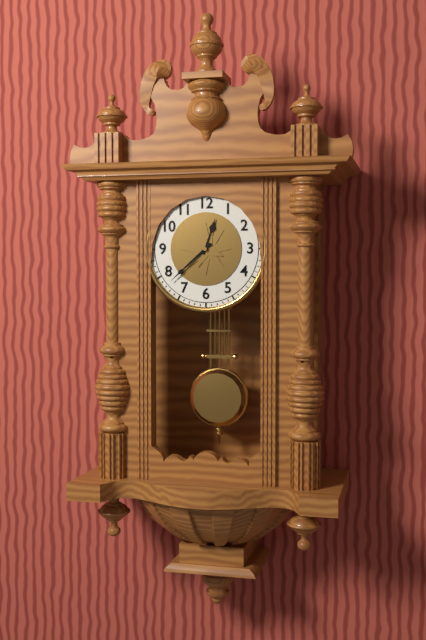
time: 12:38
